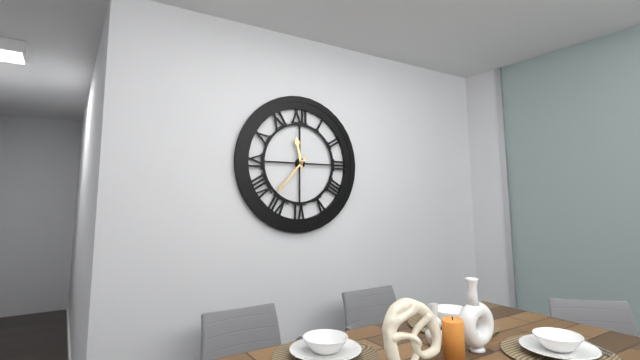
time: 11:37
